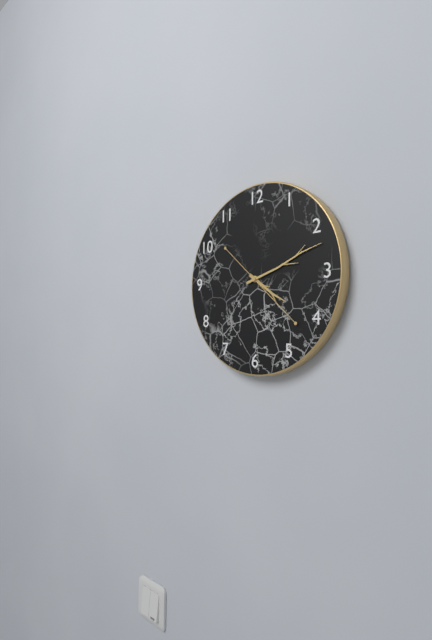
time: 4:12:22
